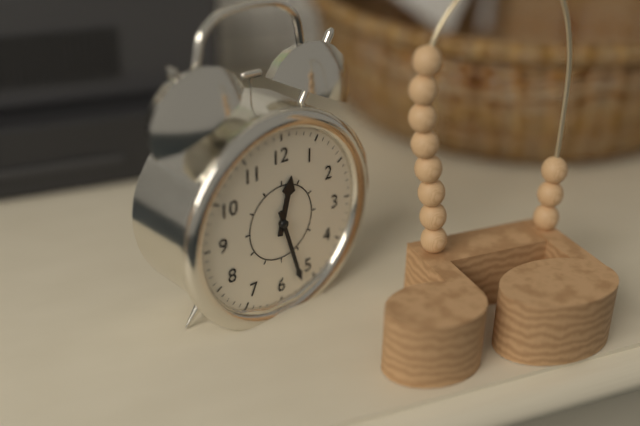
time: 12:27
